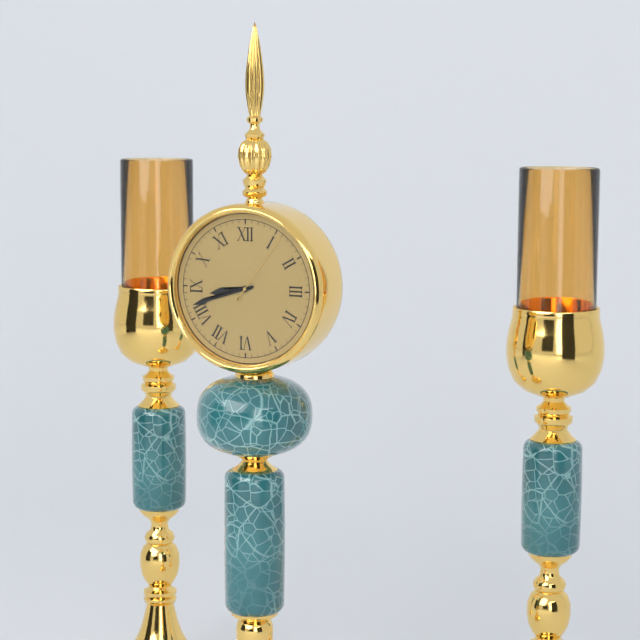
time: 8:42:06
